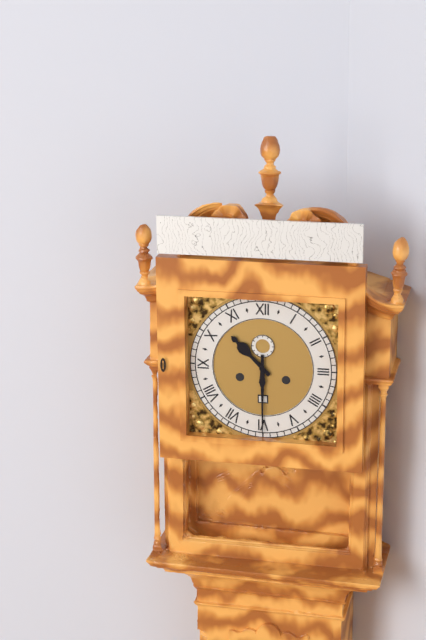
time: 10:30
